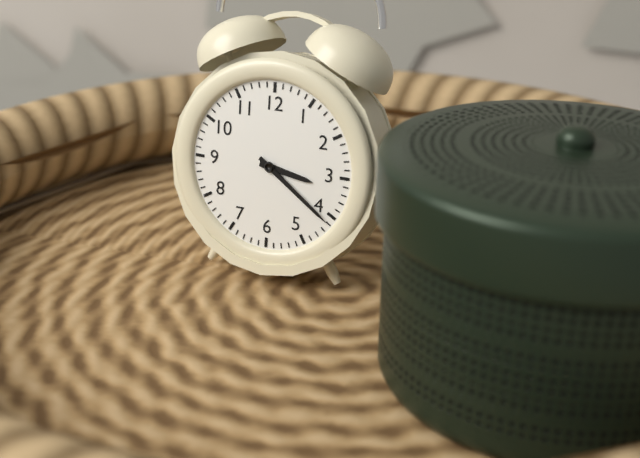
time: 3:21
